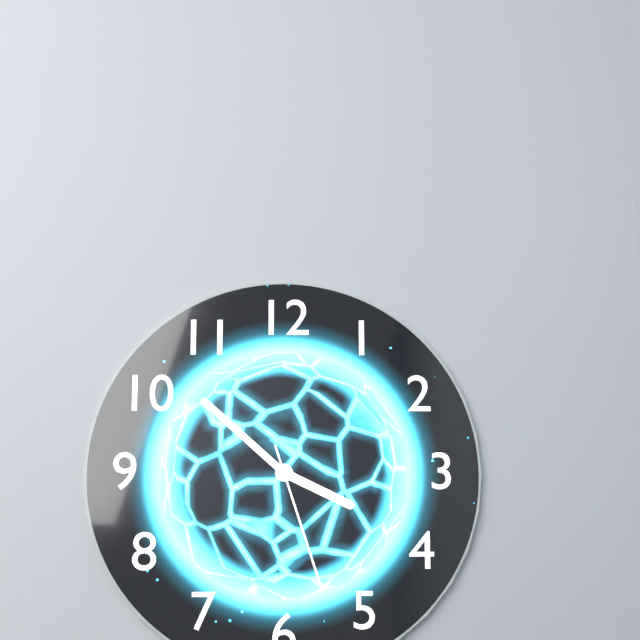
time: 3:52:27
